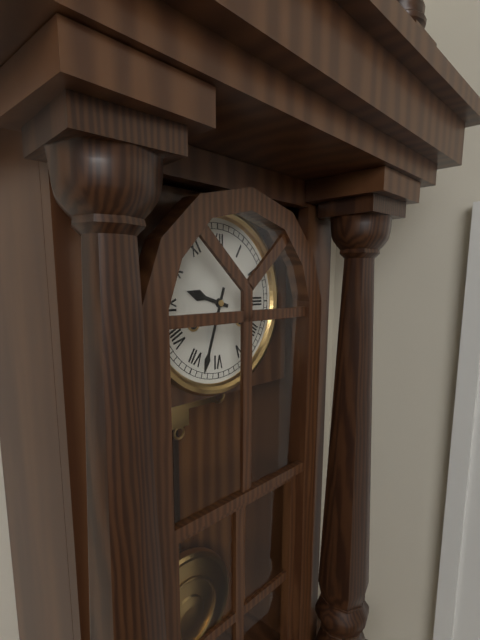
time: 9:33
